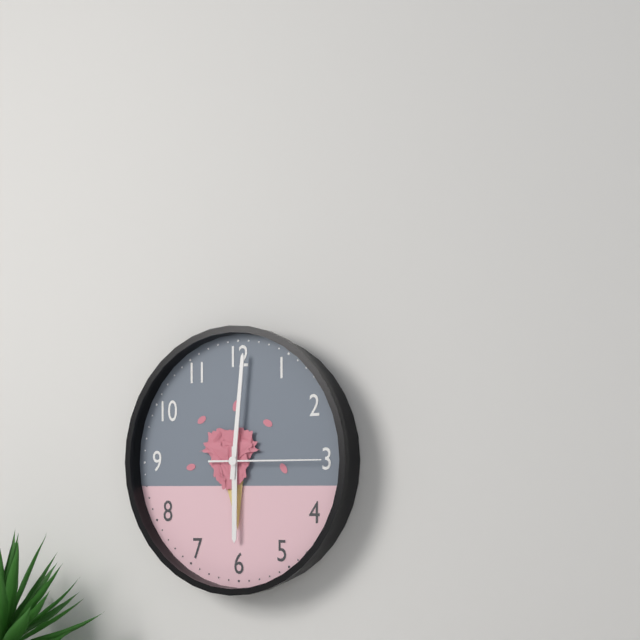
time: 6:01:15
